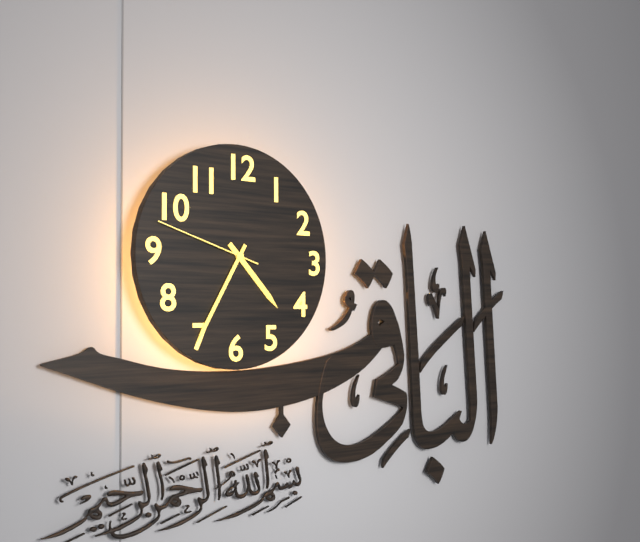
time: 4:35:48
